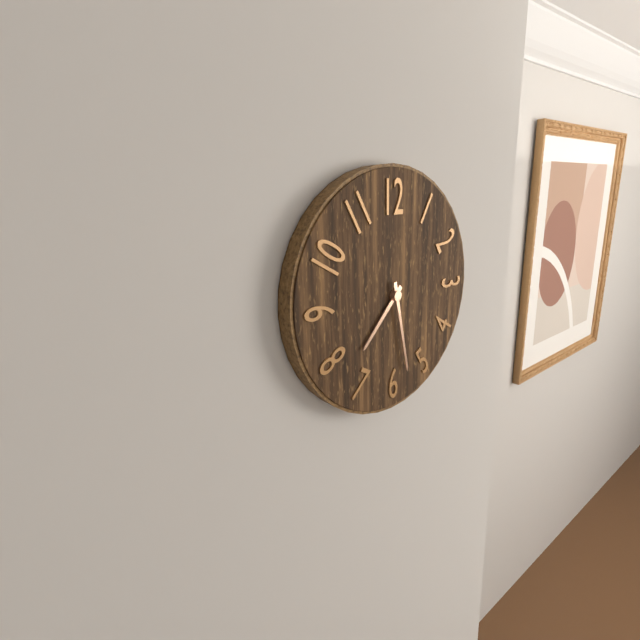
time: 7:28
